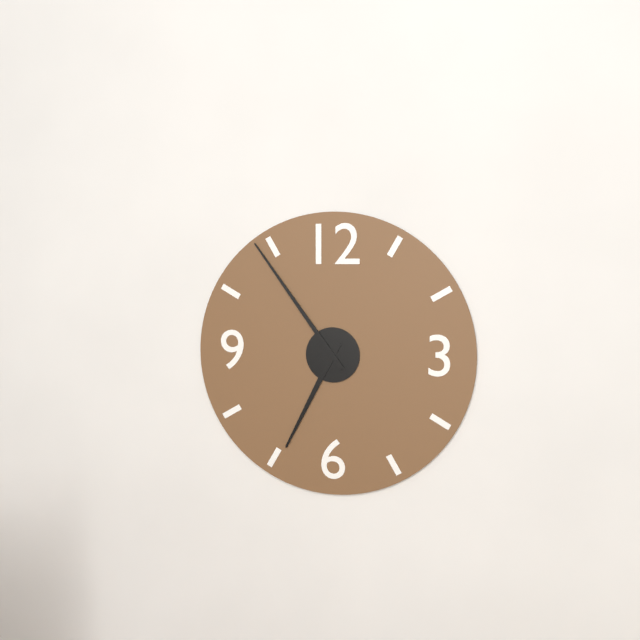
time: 6:54
